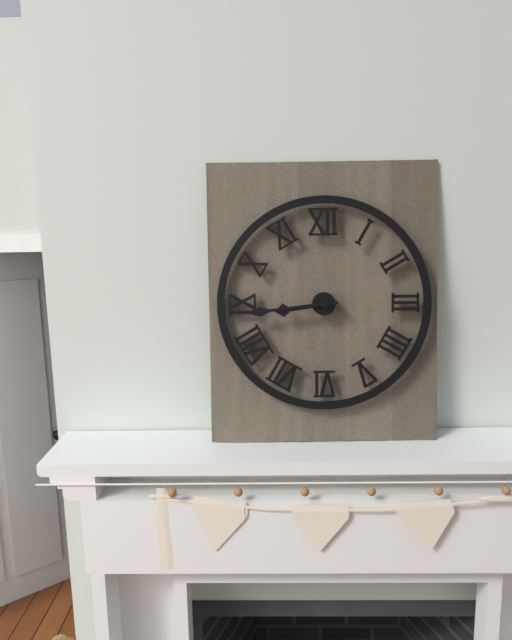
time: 8:44
